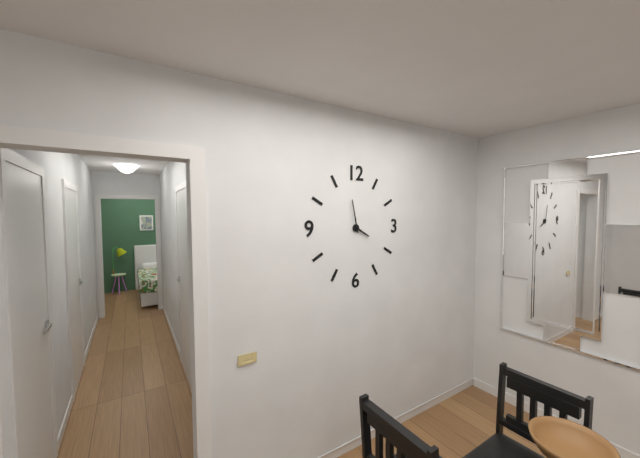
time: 3:58
